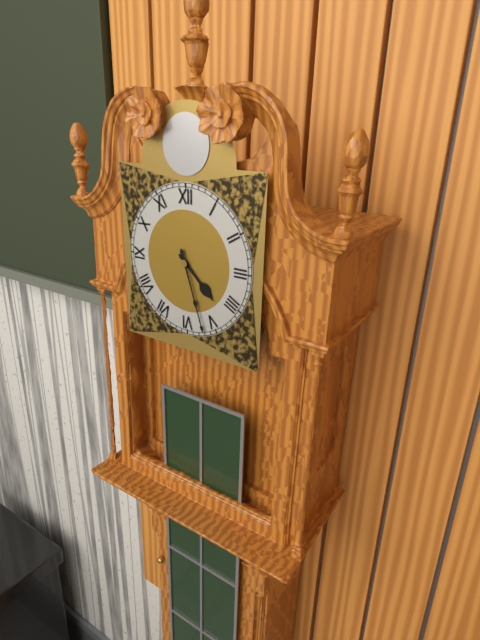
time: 4:27
